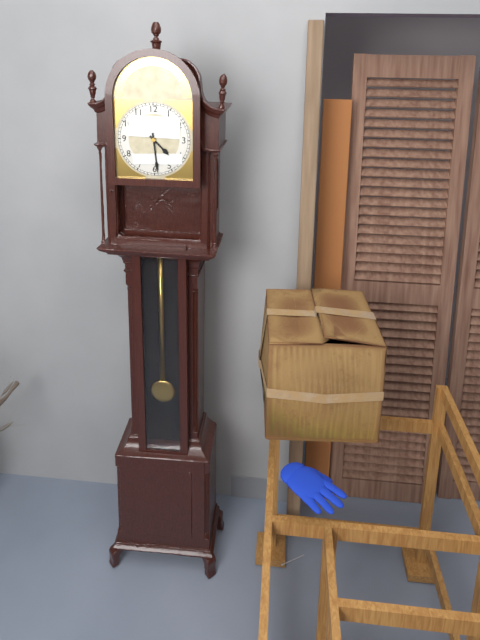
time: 4:29
